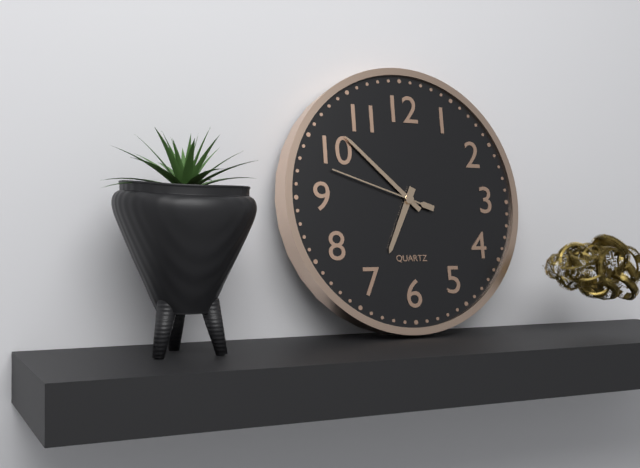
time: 6:52:48
